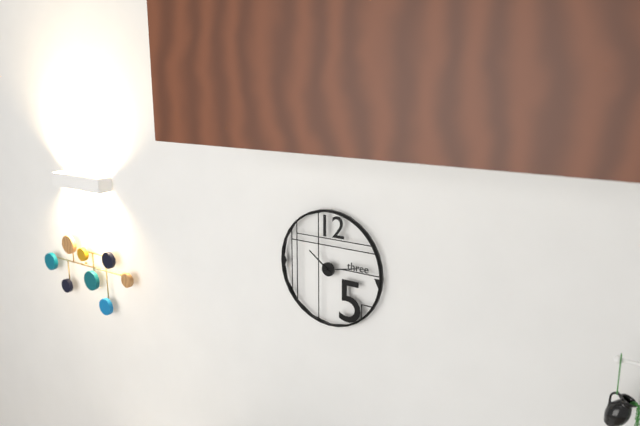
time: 10:13
